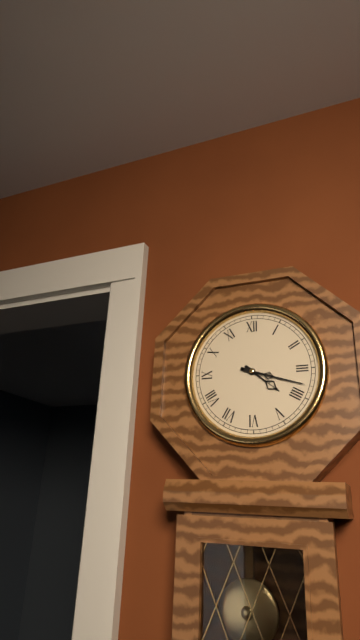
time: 4:18
